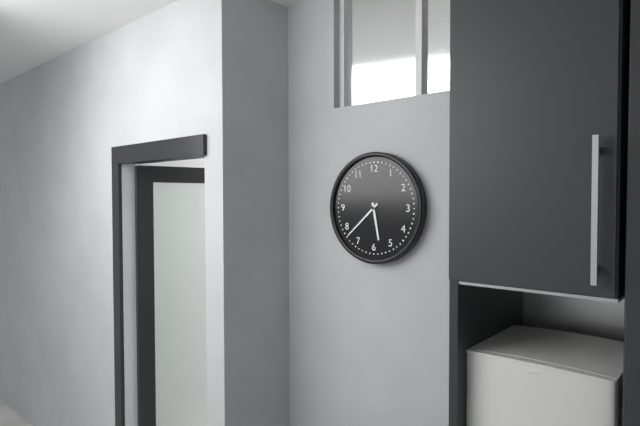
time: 5:38
